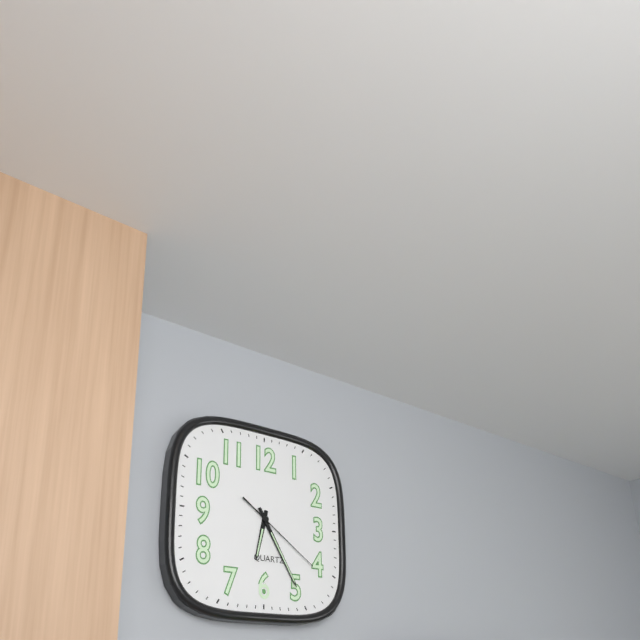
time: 6:25:21
